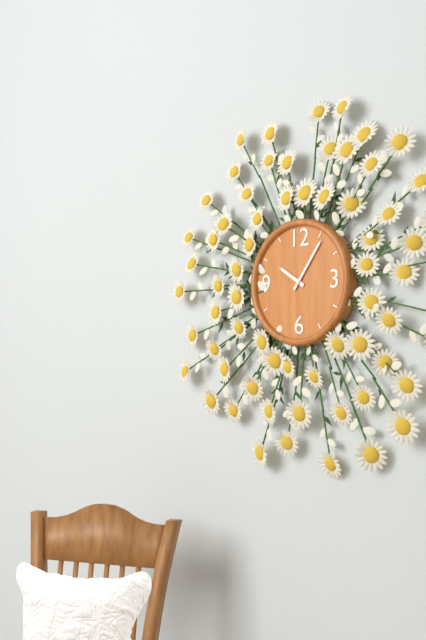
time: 10:06
